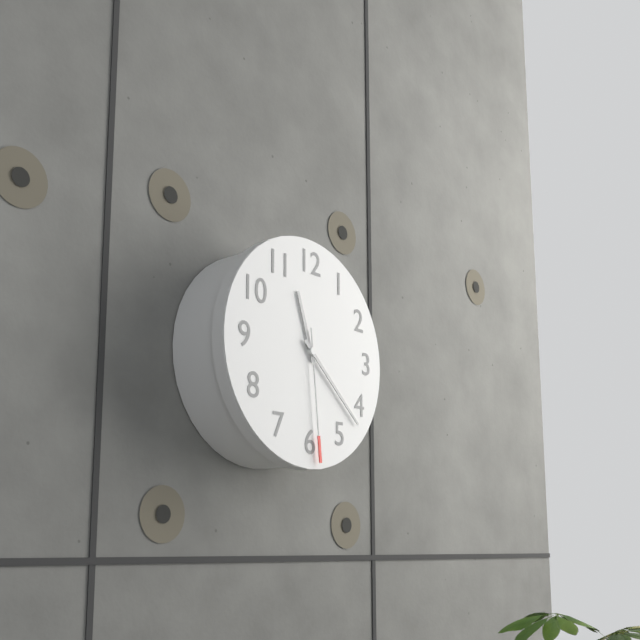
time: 11:22:29
